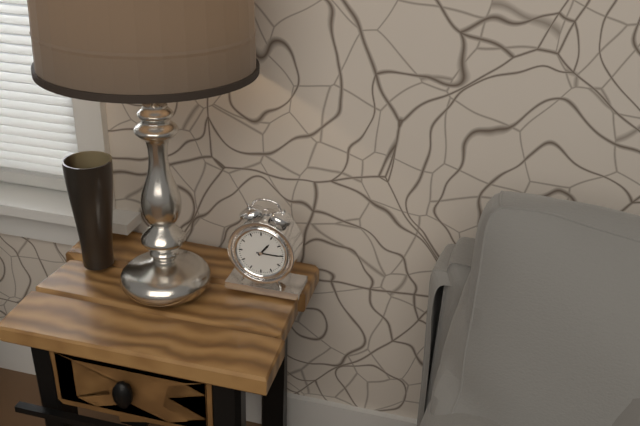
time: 1:15
